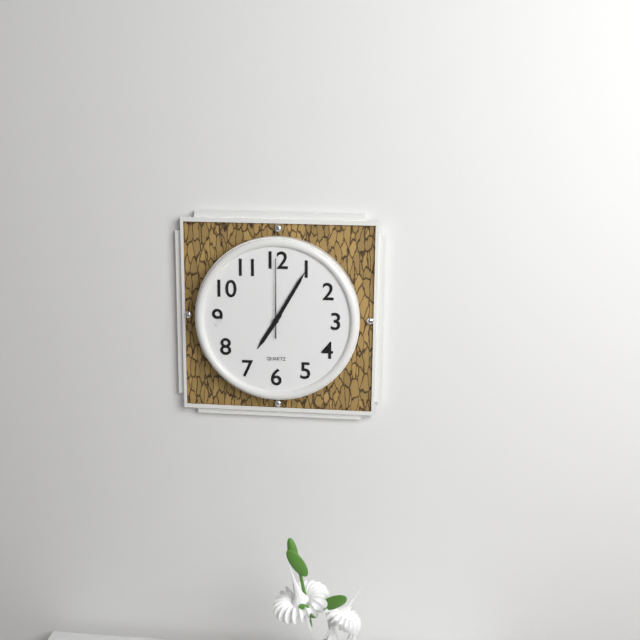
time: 7:05:00
